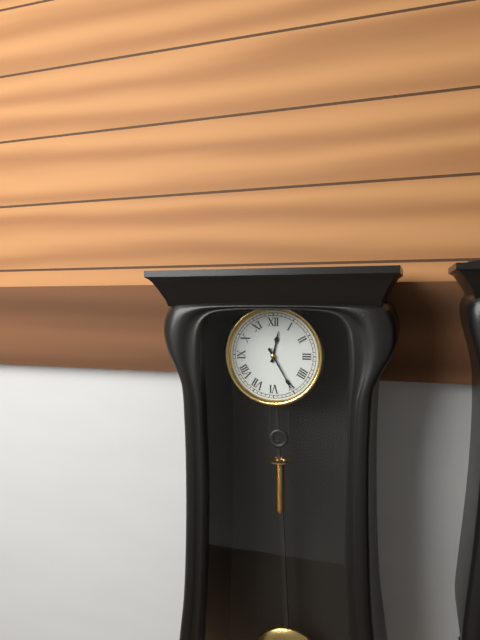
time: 12:25
